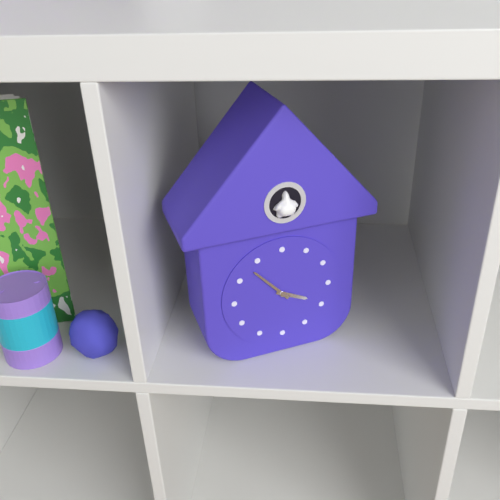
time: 3:53
